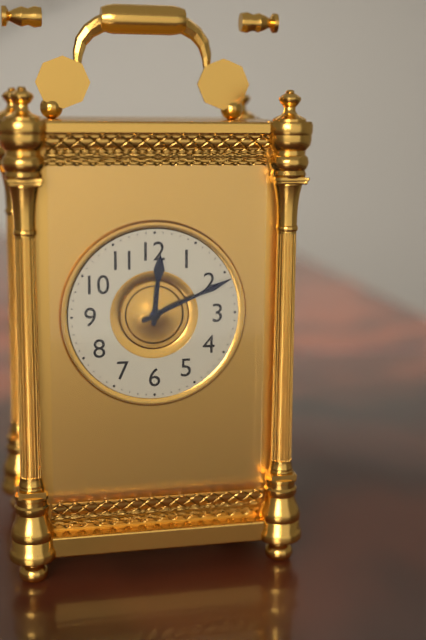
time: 12:11
